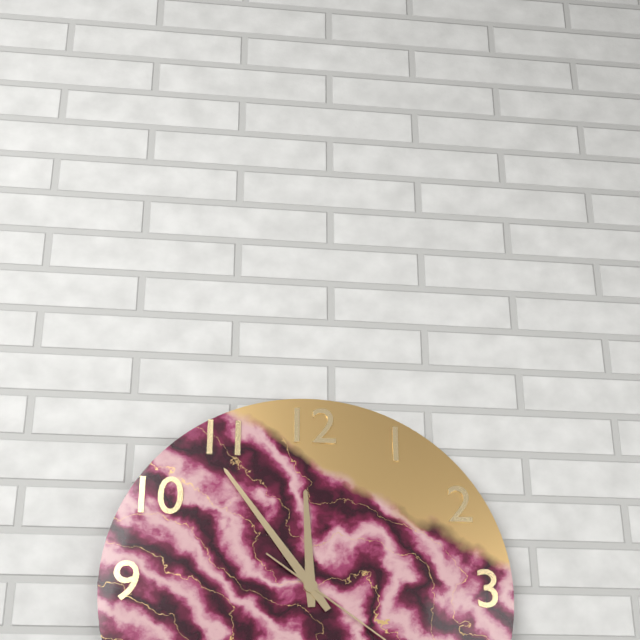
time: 11:54
